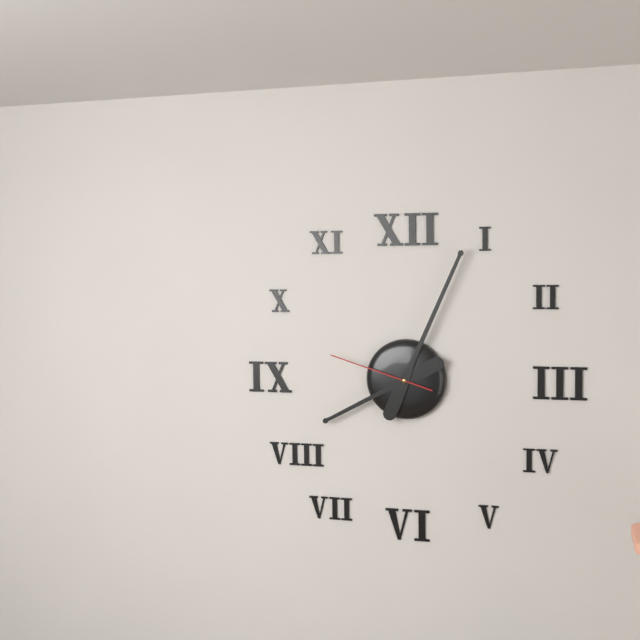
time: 8:04:48
